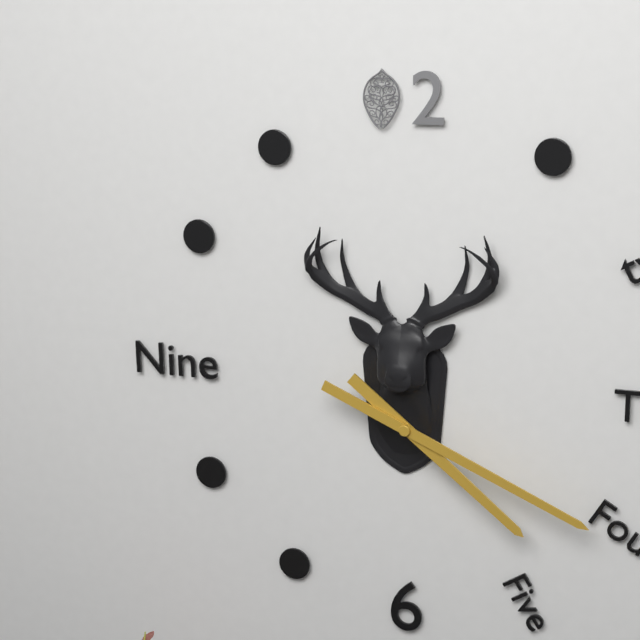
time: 4:19
